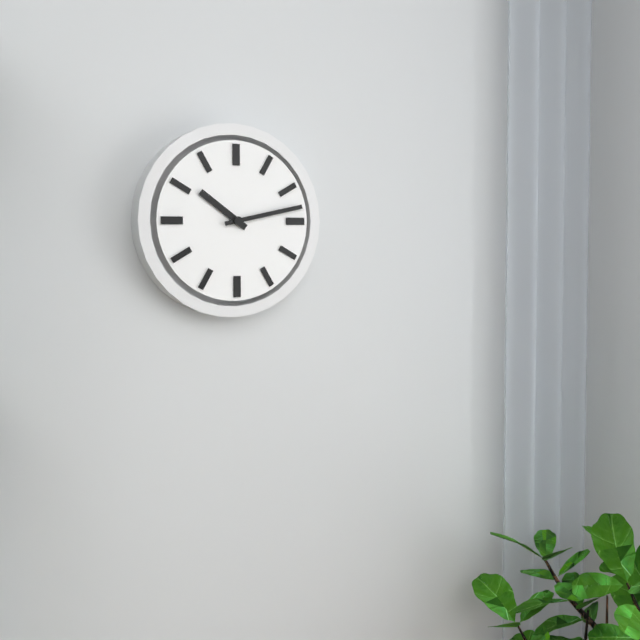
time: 10:13
